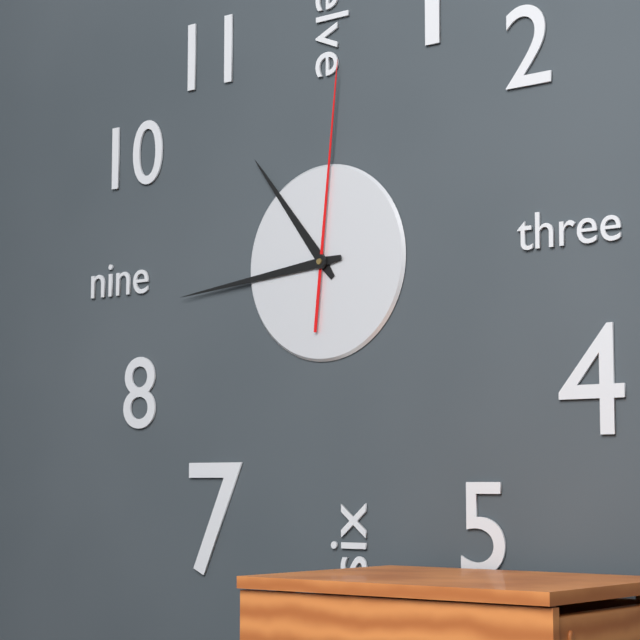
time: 10:44:01
